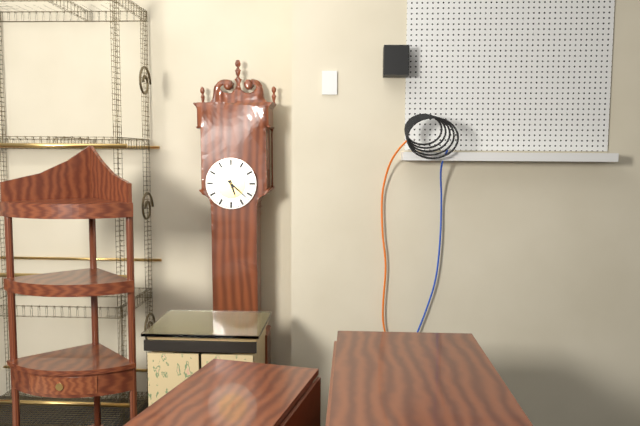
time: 5:22
